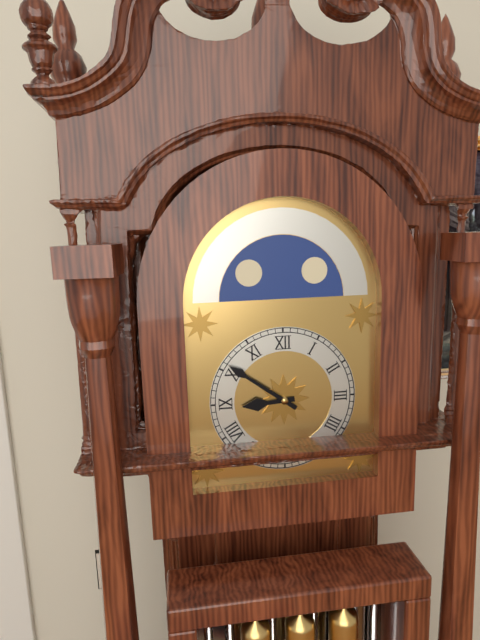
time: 8:51
